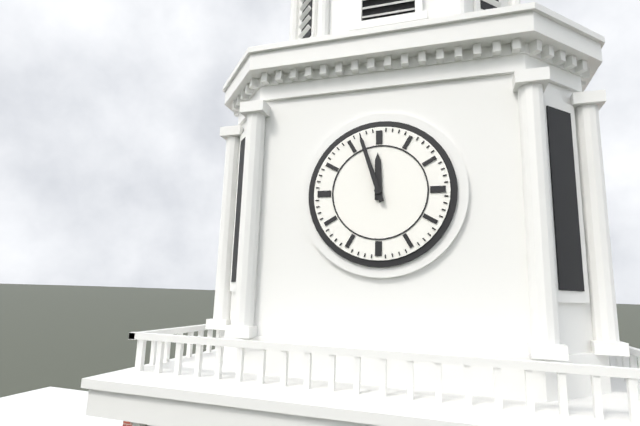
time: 11:57
